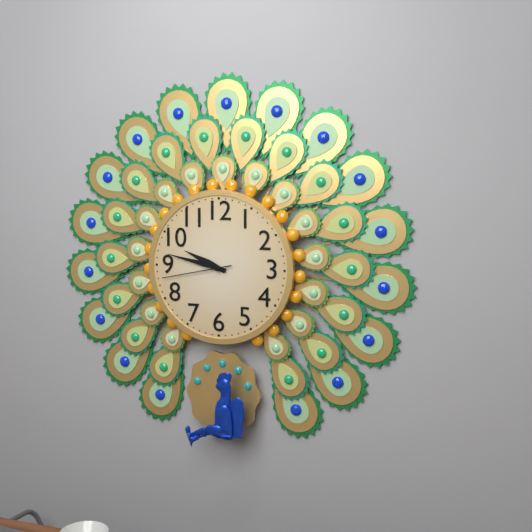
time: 9:47:43
